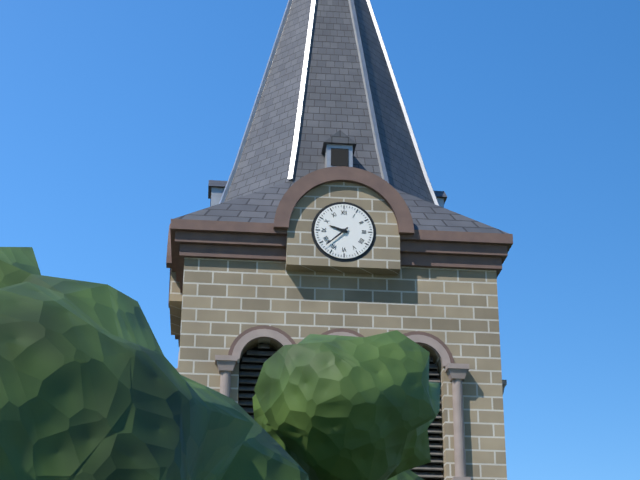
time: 9:38
